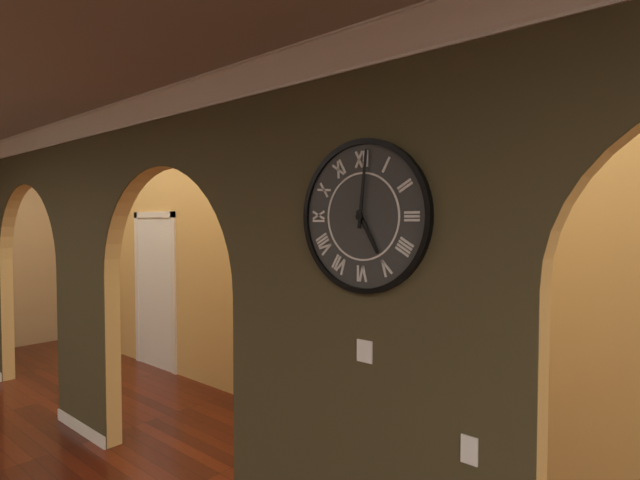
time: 5:01
